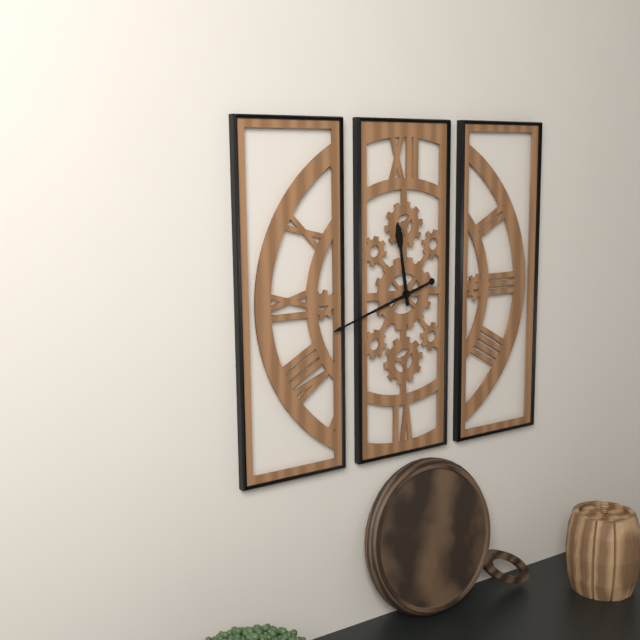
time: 11:42
